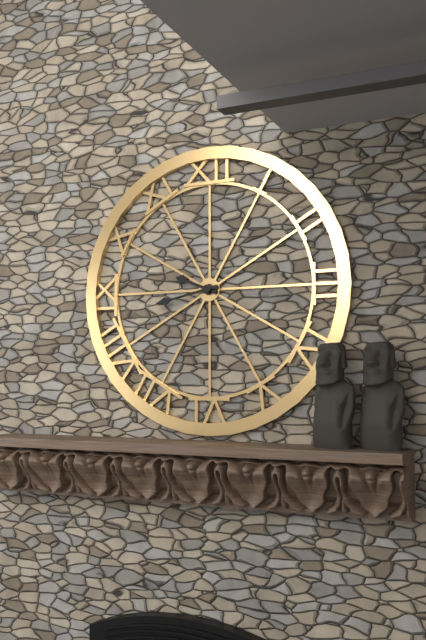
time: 9:43
